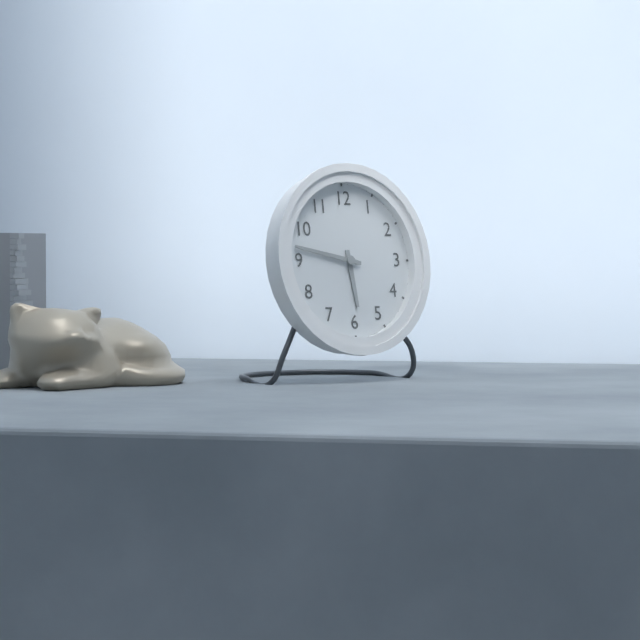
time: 5:47
